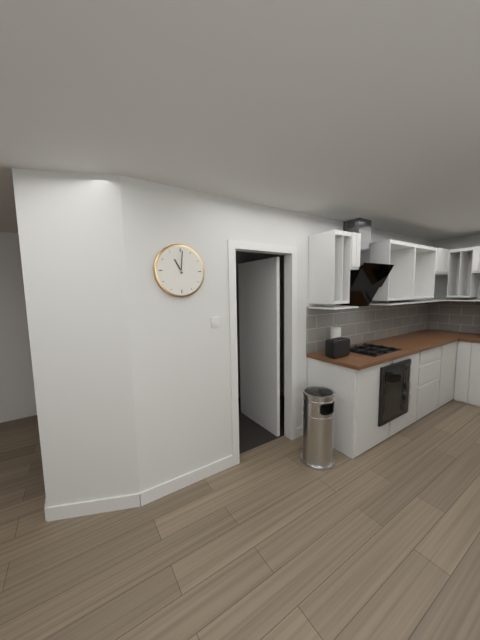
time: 11:01
